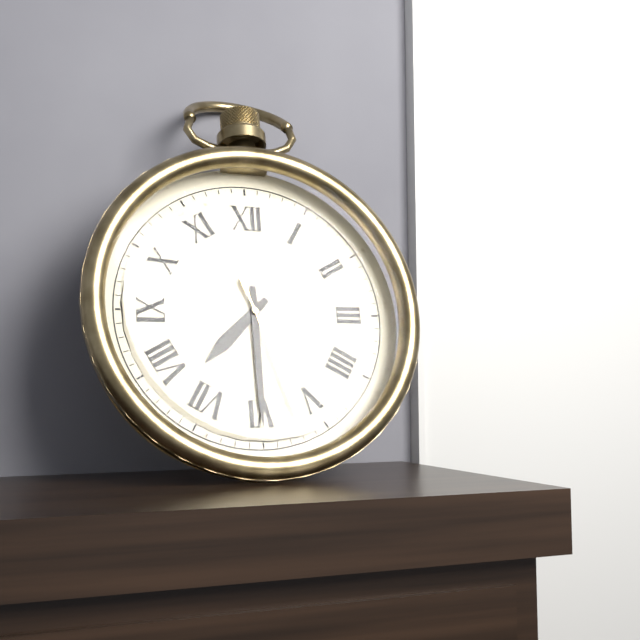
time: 7:30:27
